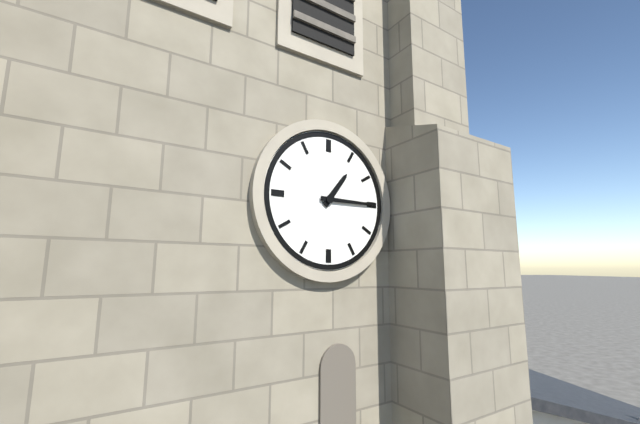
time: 1:15
